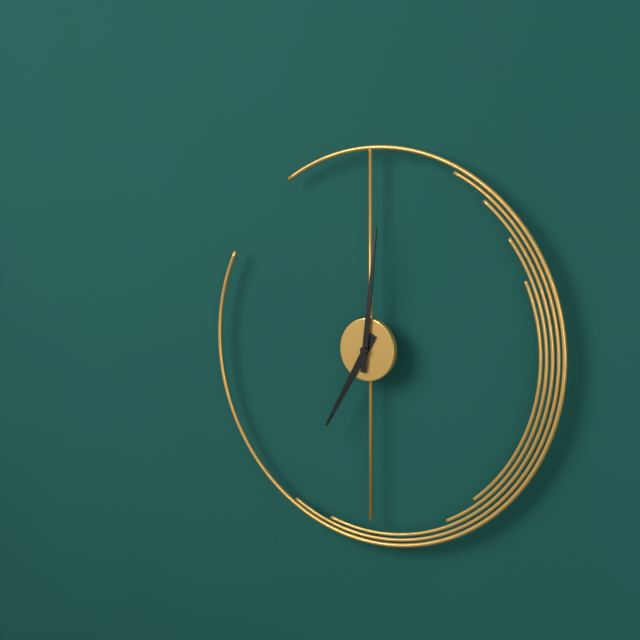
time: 7:01
